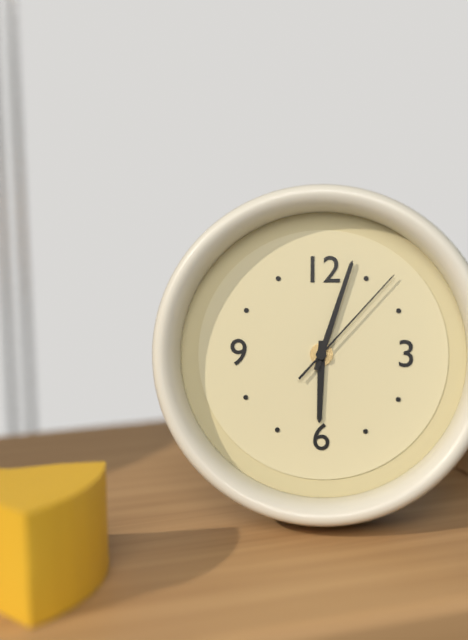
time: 6:03:07
